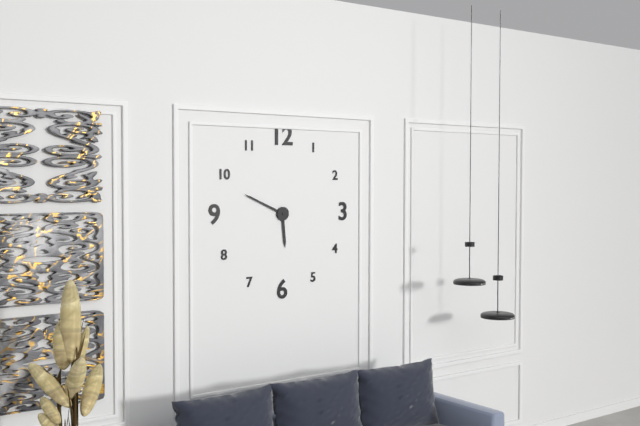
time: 5:49
